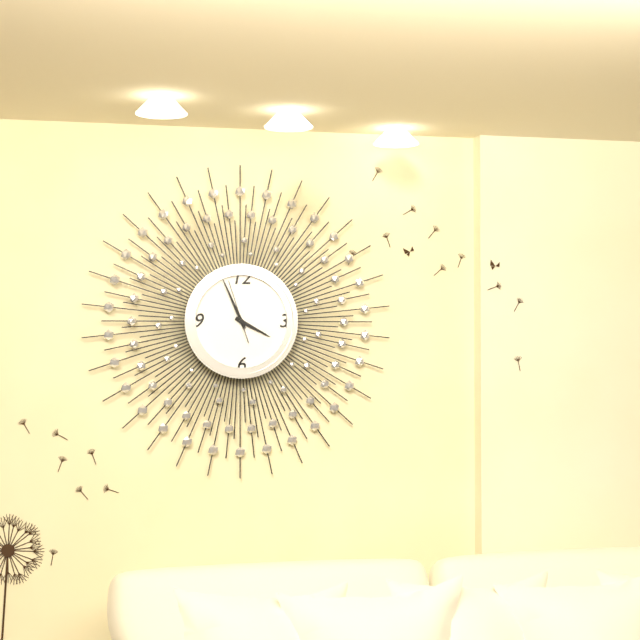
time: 3:56:57
